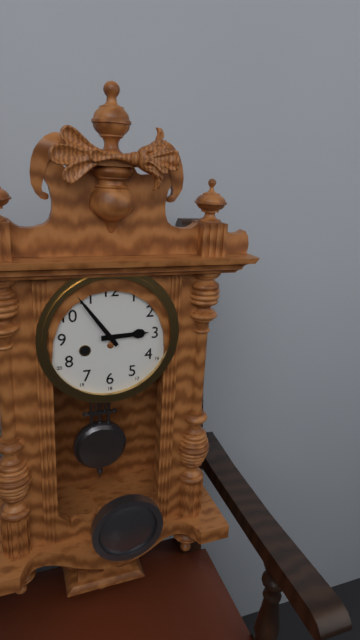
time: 2:54
